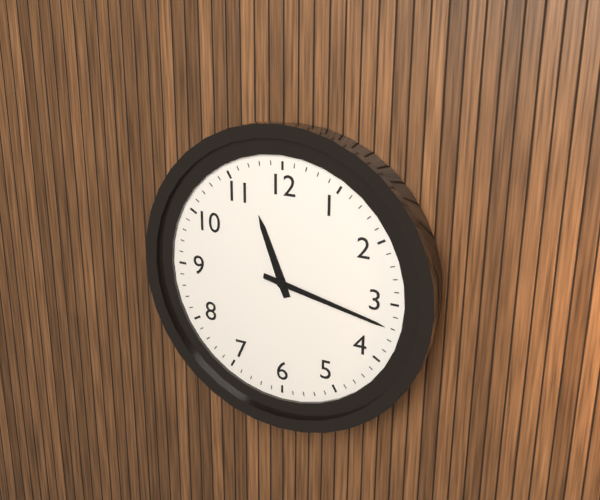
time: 11:17
